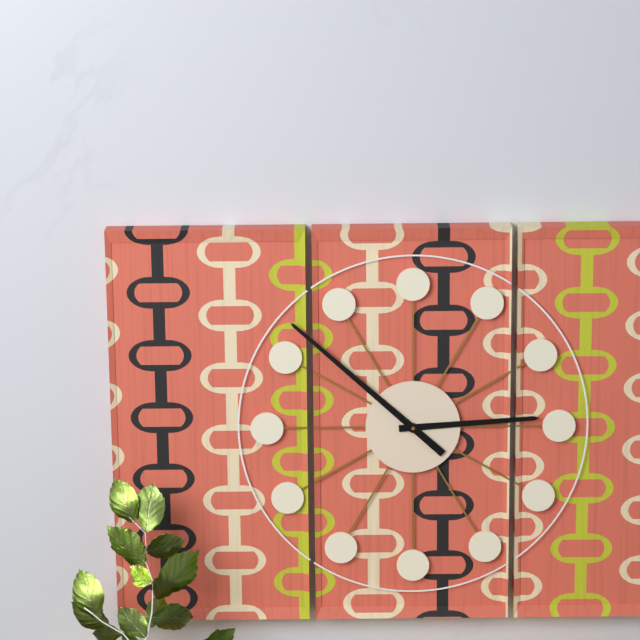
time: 2:52
